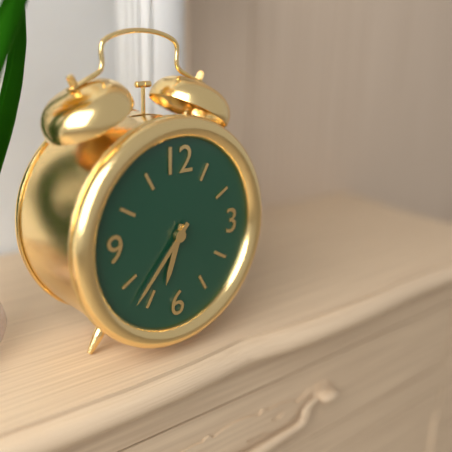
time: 6:37
